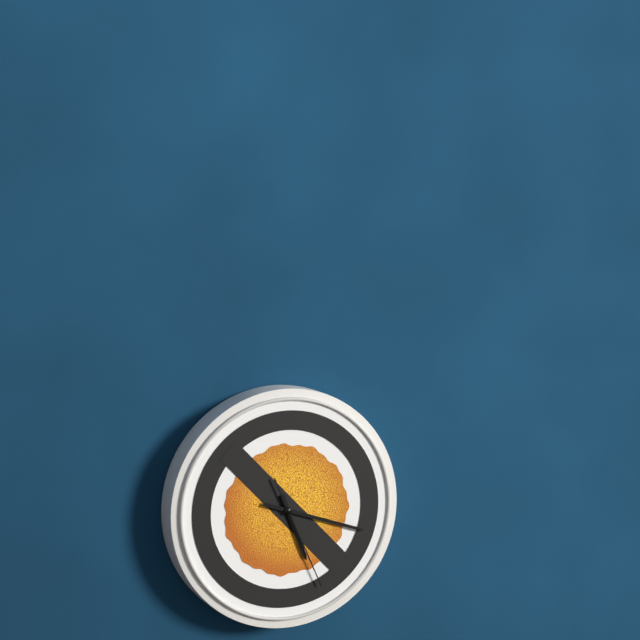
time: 5:18:26
